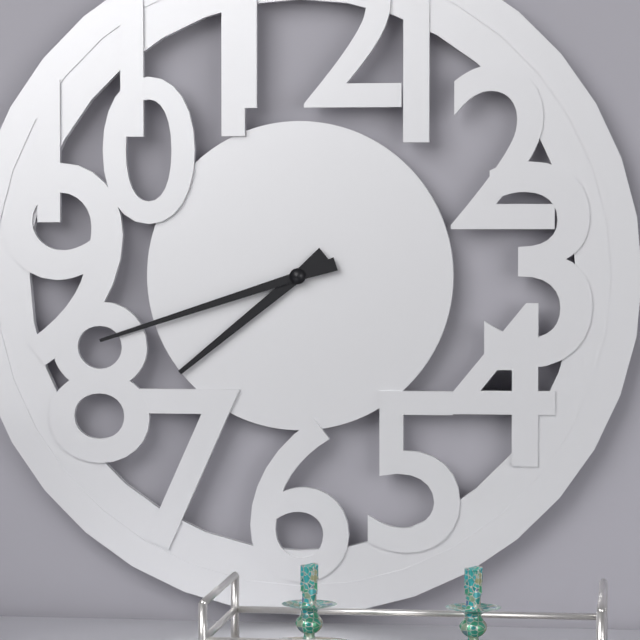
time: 7:42
